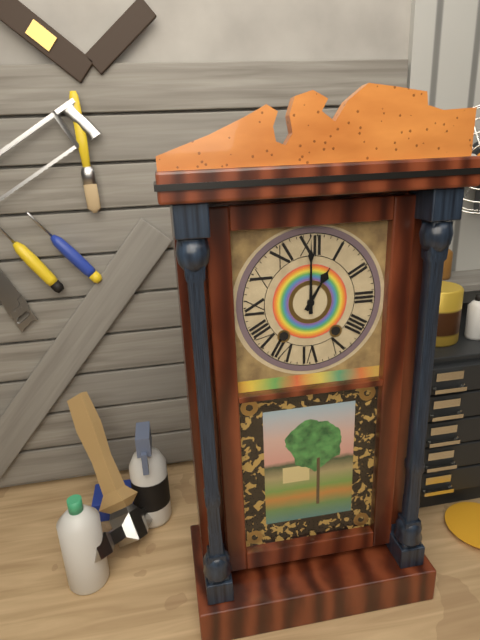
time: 1:00
